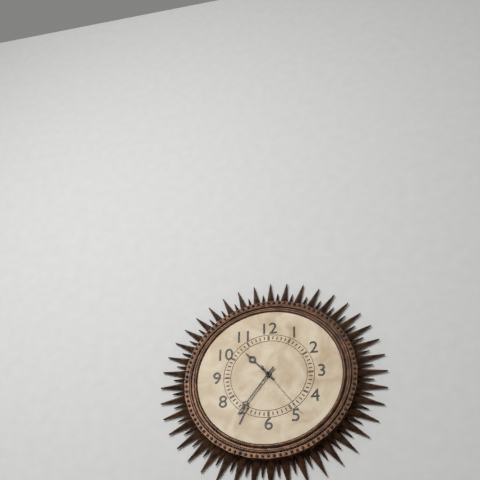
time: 10:36:24
